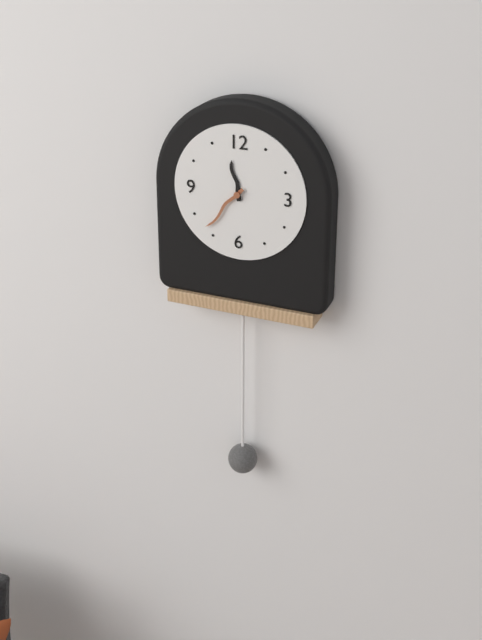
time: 11:37
